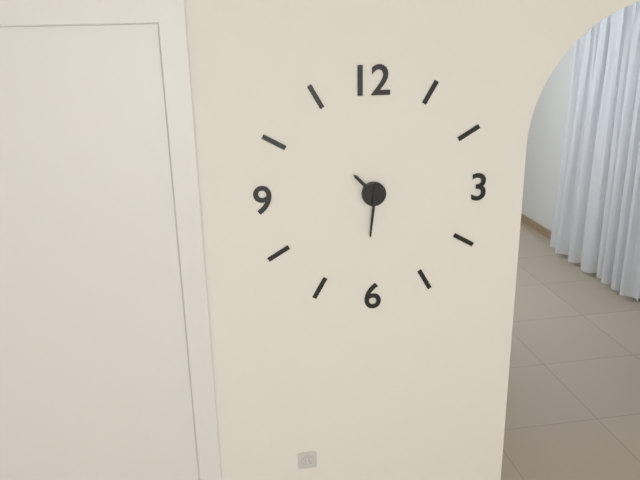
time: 10:31
